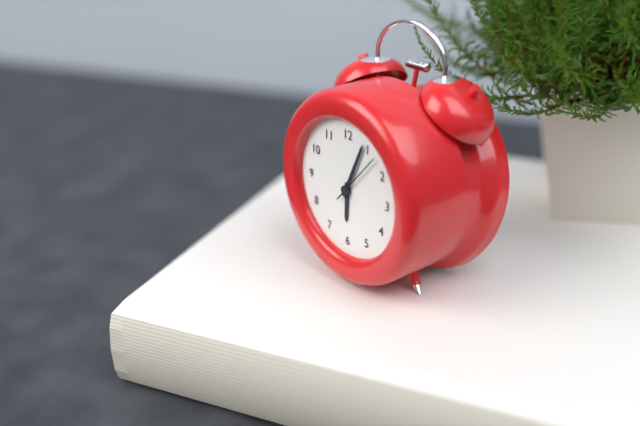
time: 6:04:07
